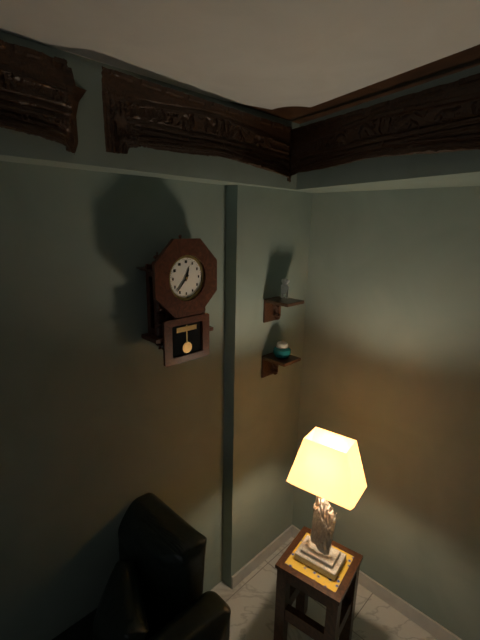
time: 12:37
